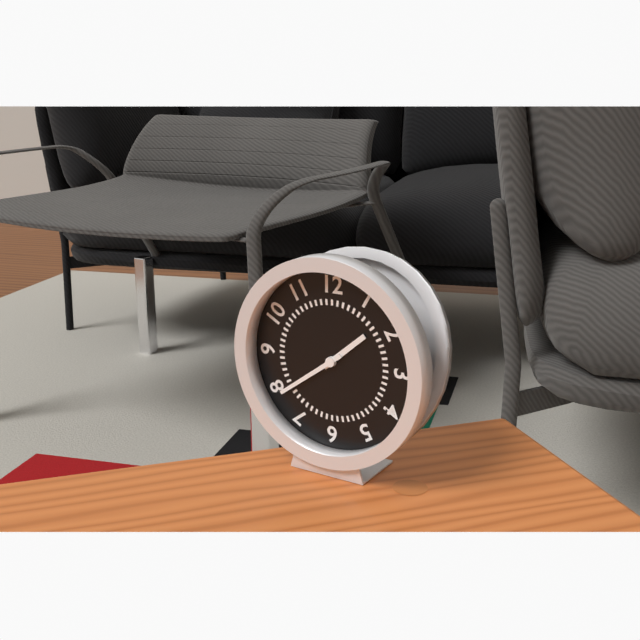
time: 1:39
